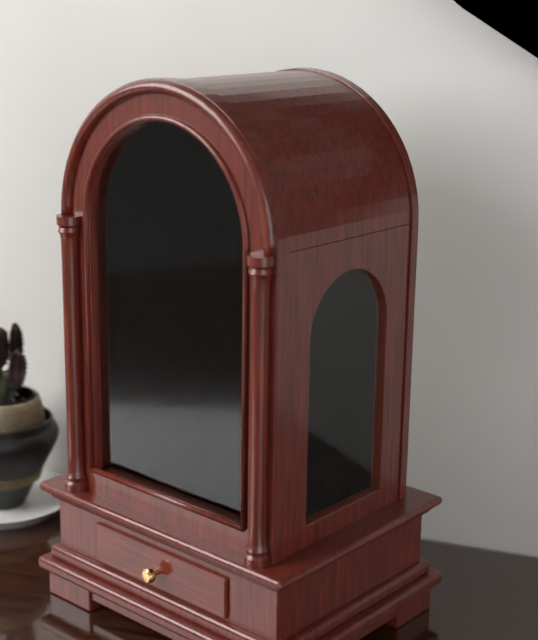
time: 4:05
